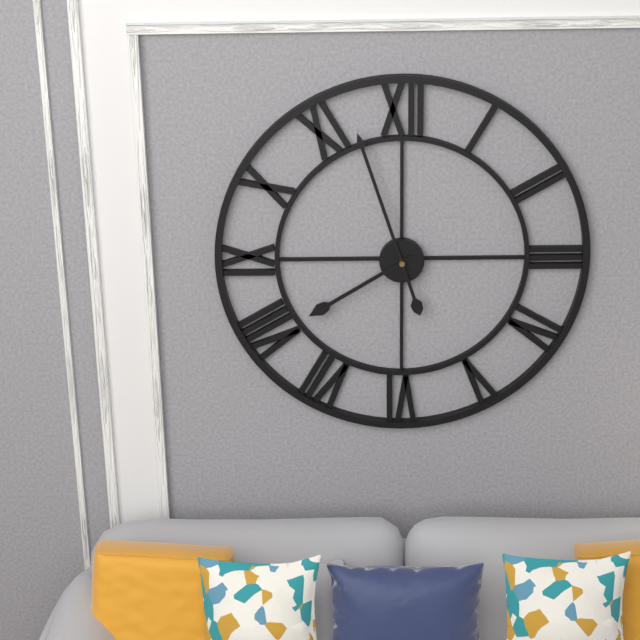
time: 7:57
